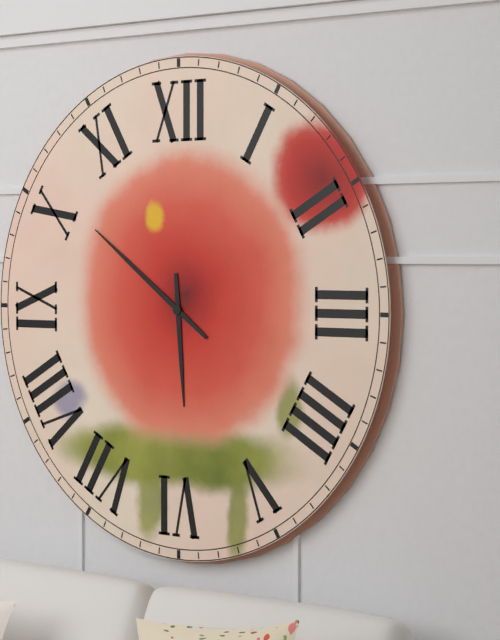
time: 5:51
